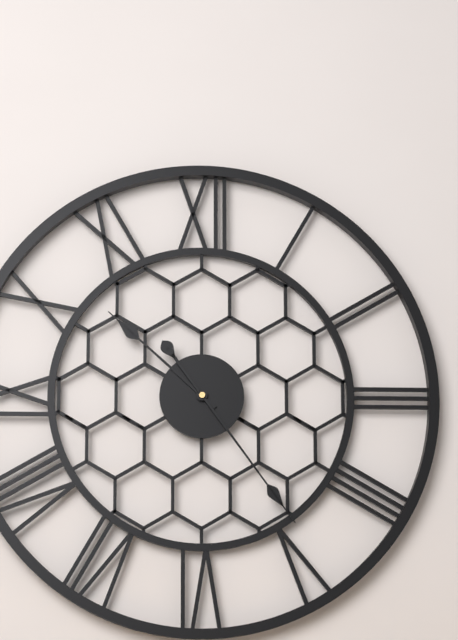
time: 10:24
